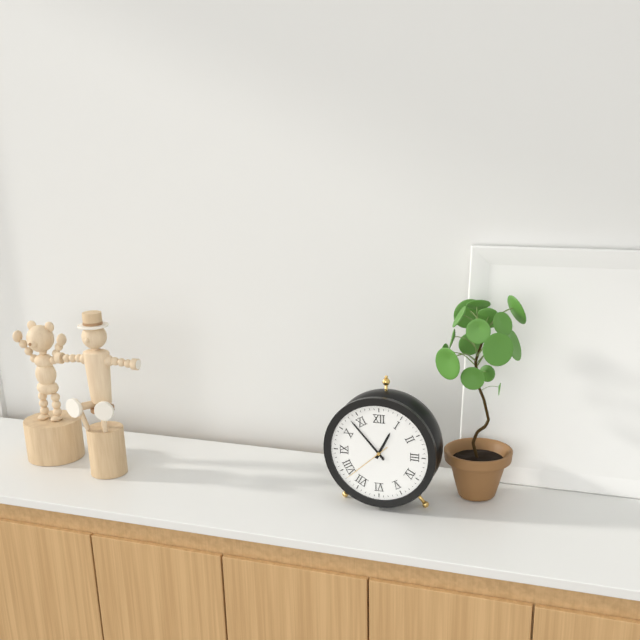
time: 12:53:38
